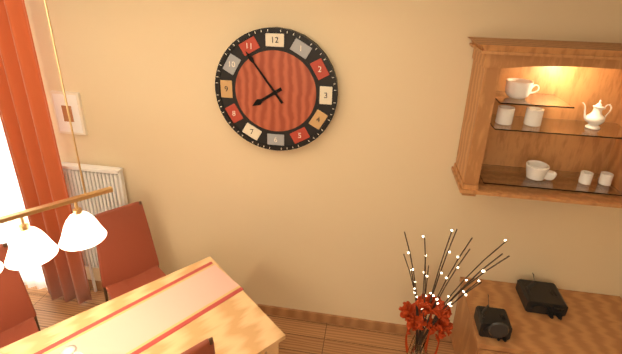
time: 7:54
